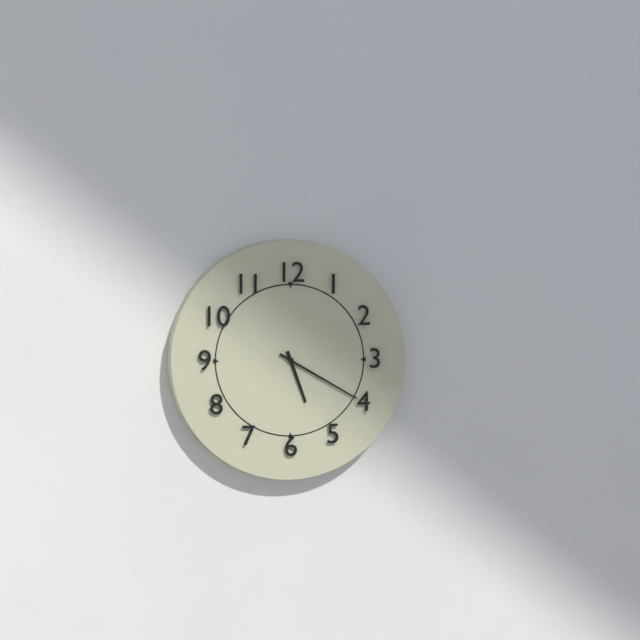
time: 5:20
